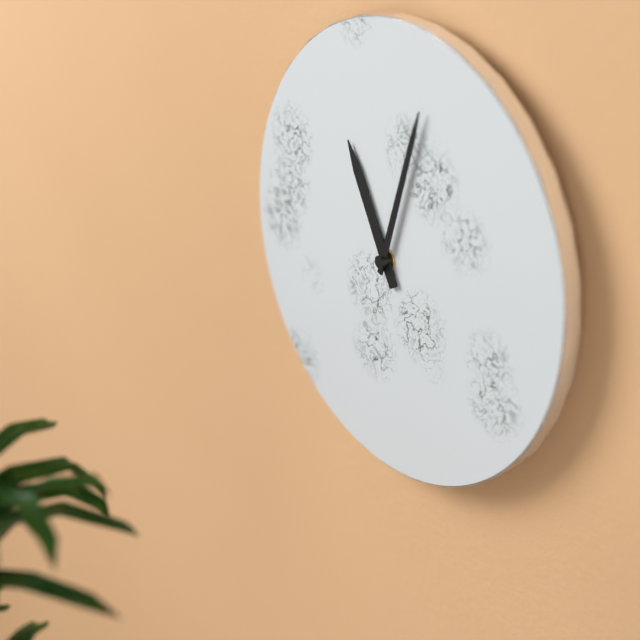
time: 11:03
